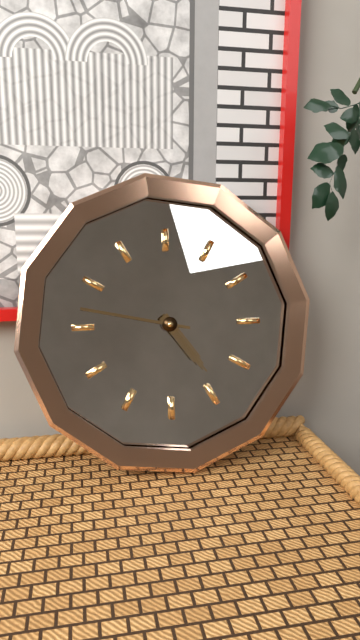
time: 4:47
